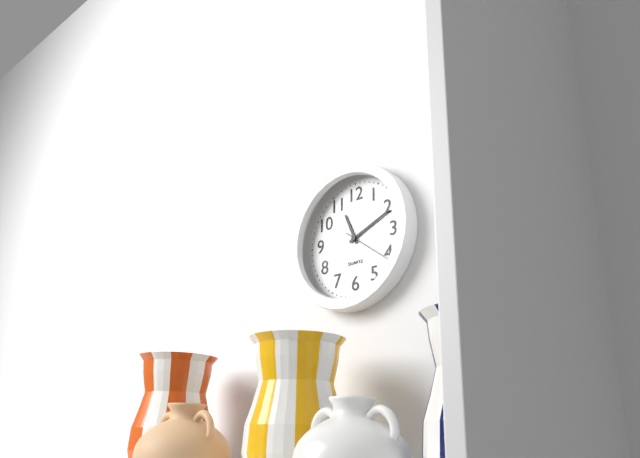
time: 11:11:21
